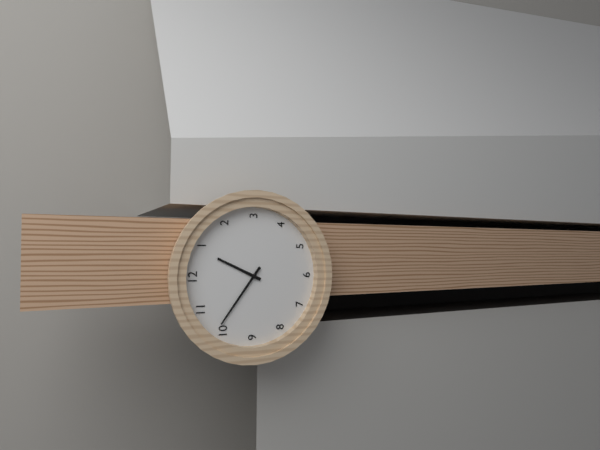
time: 12:51
